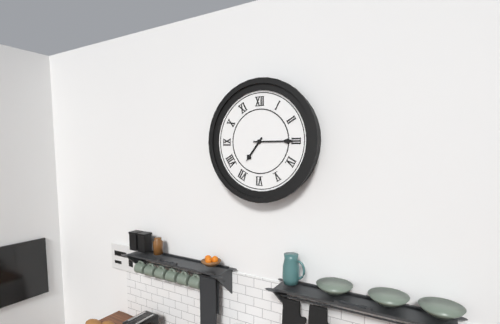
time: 7:15
